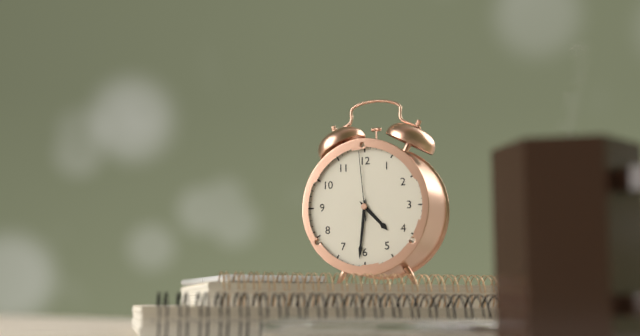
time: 4:31:59
